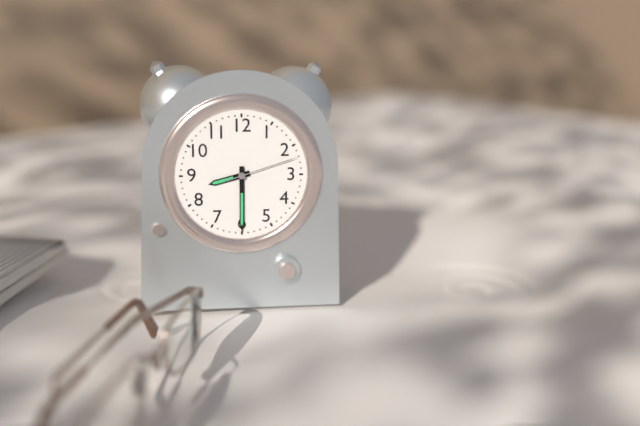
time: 8:30:12
